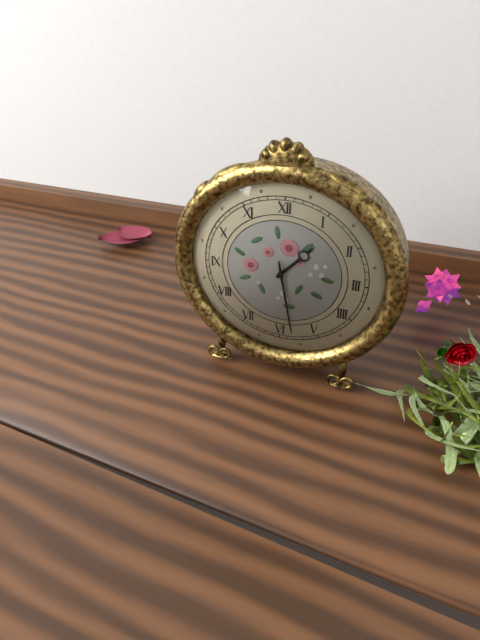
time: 1:28
